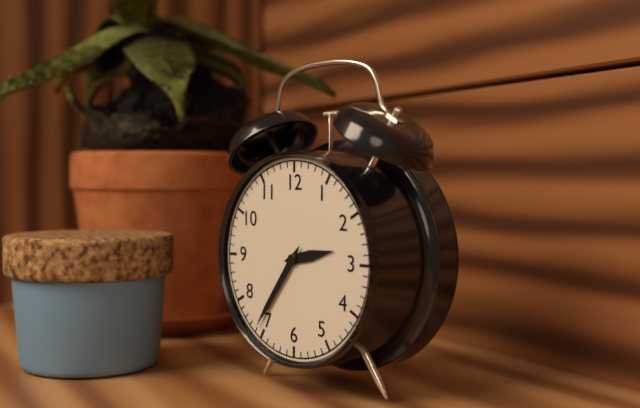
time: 2:36
